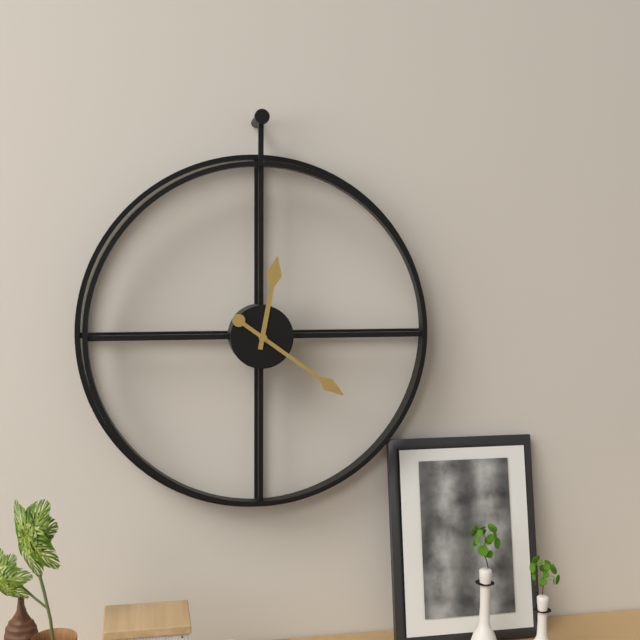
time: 12:21
